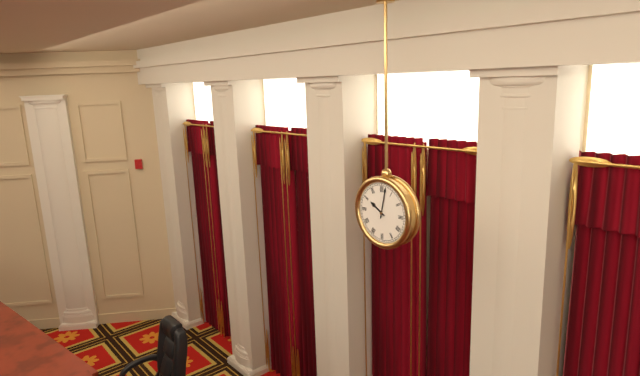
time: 10:02
